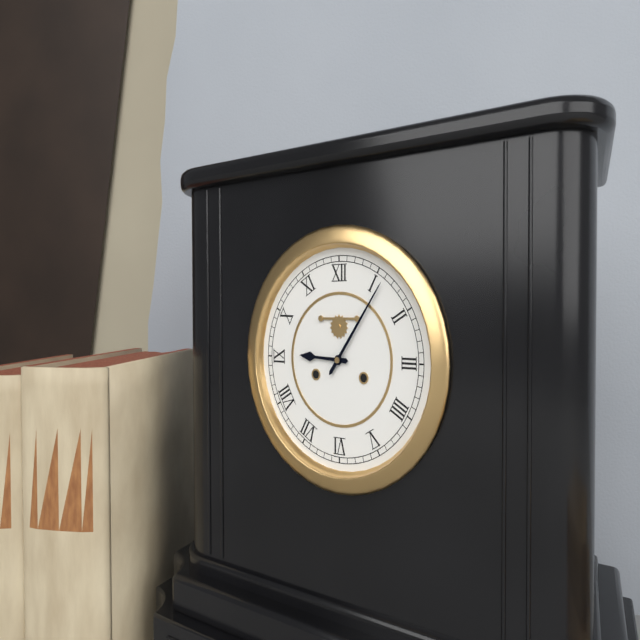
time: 9:06
